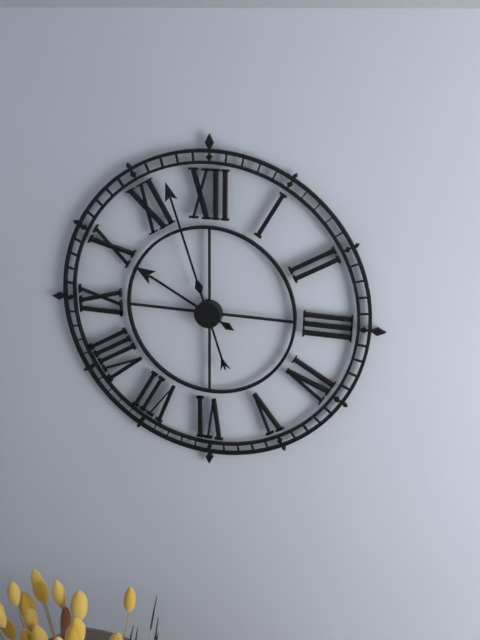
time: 9:57
